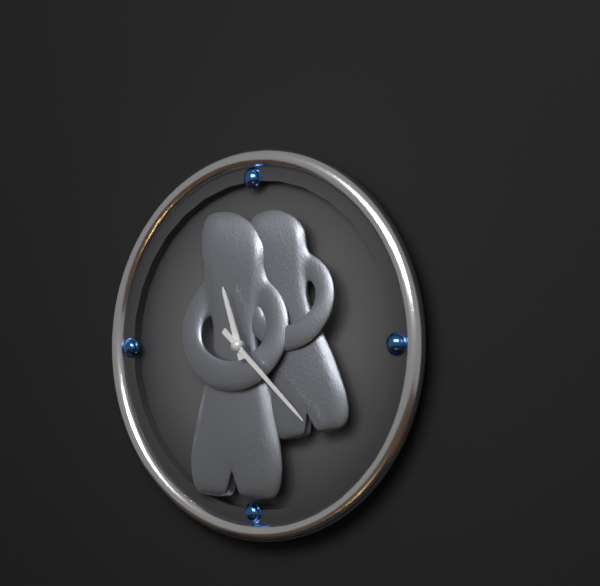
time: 11:22
